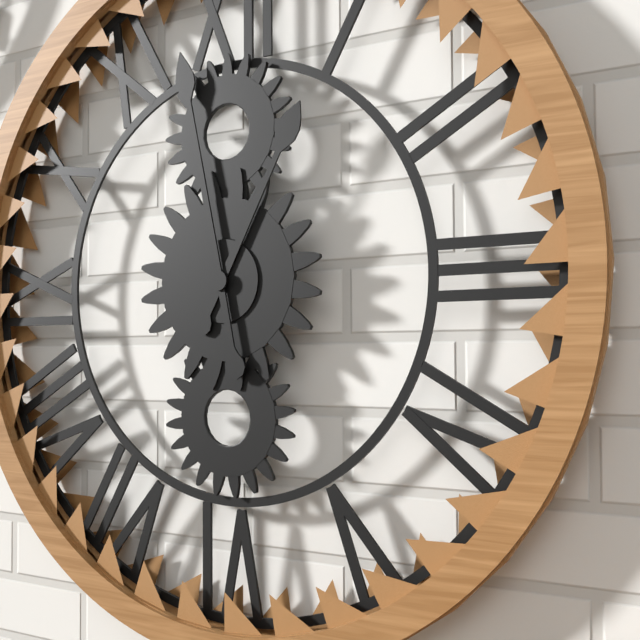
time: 12:58
